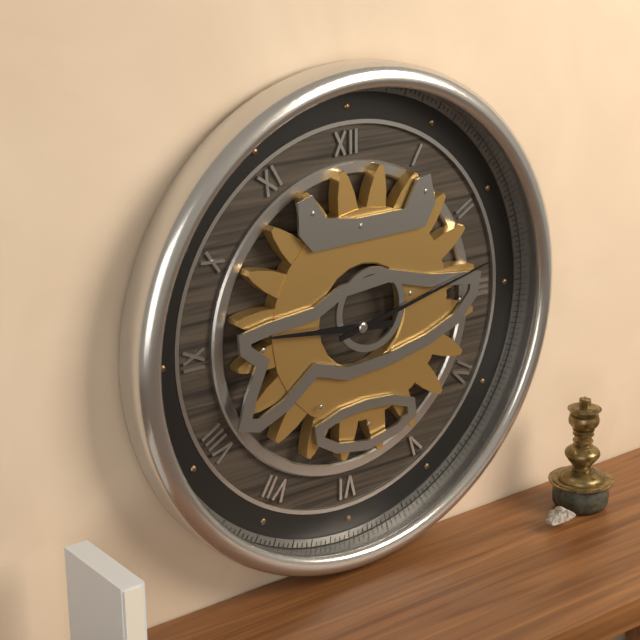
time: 9:13
